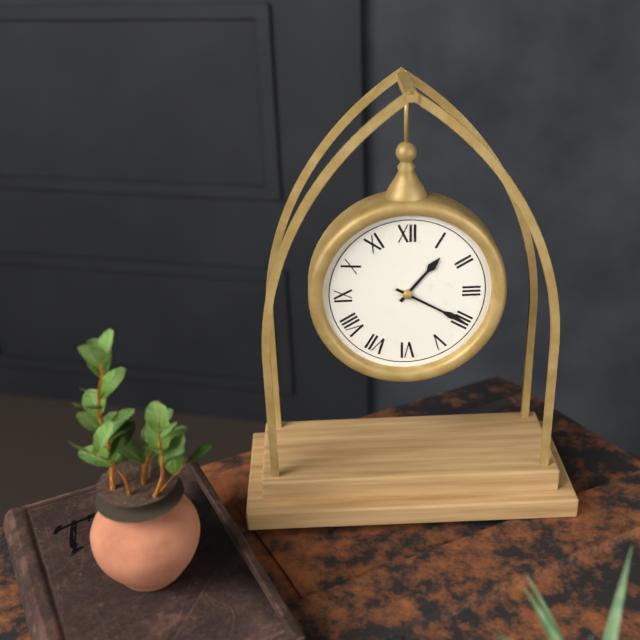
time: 1:20
